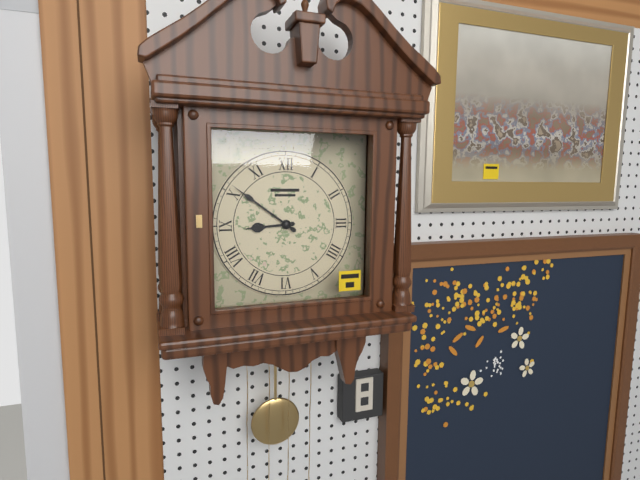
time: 8:51
